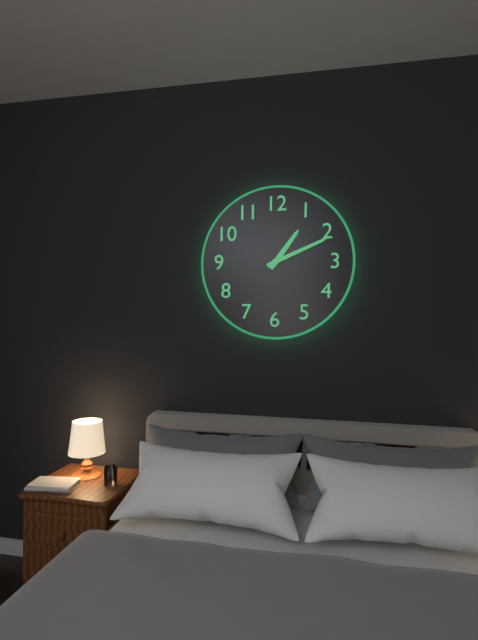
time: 1:11
